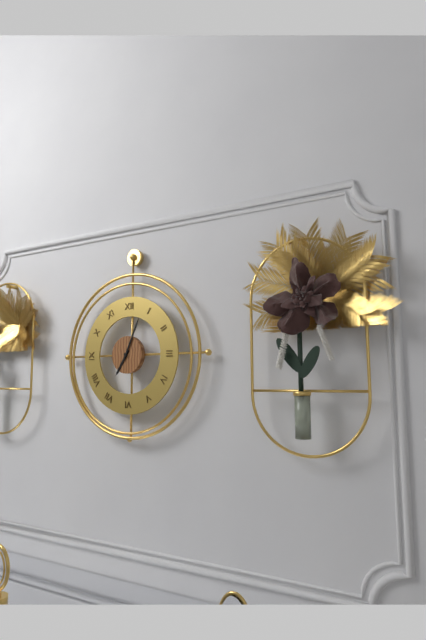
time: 7:04
